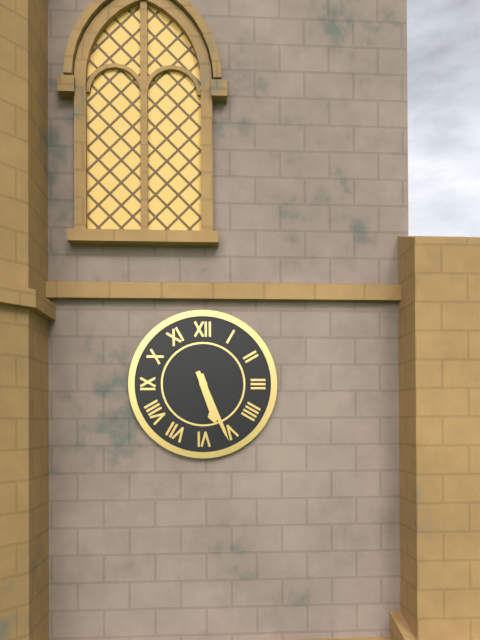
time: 5:26
